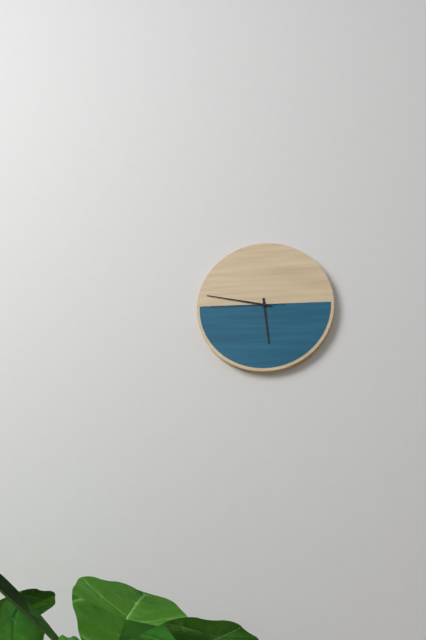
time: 5:47:45
